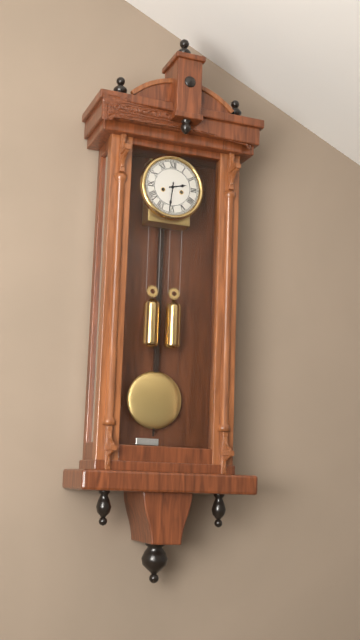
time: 2:31
